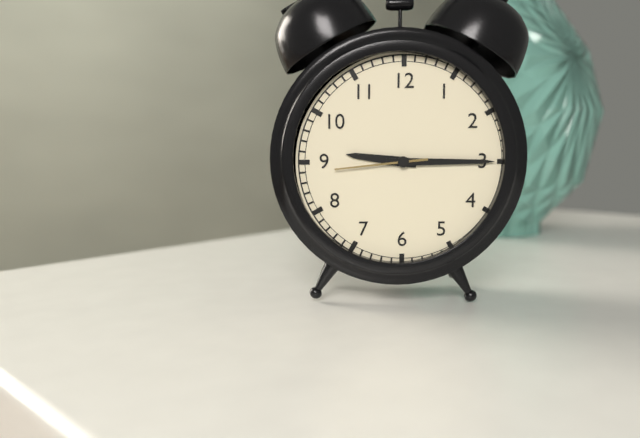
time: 9:15:44
